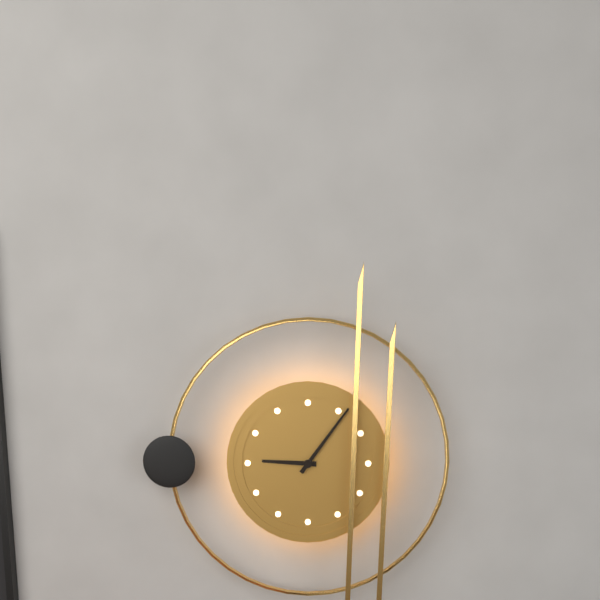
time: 9:06
